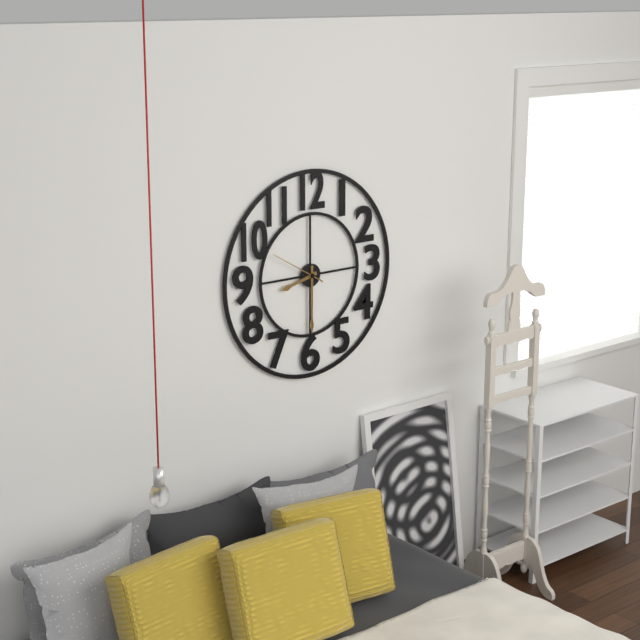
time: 8:30:50
